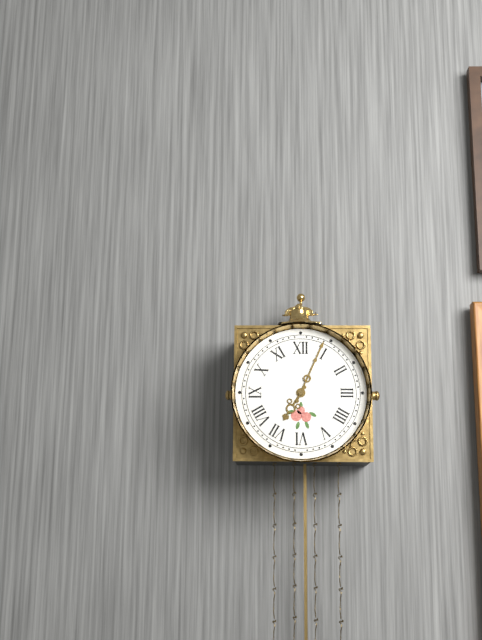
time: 7:04
